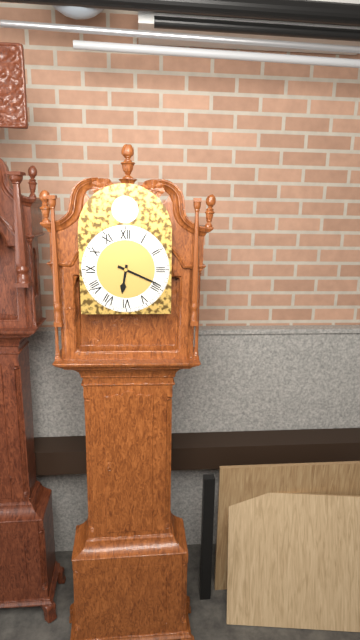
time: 6:19
